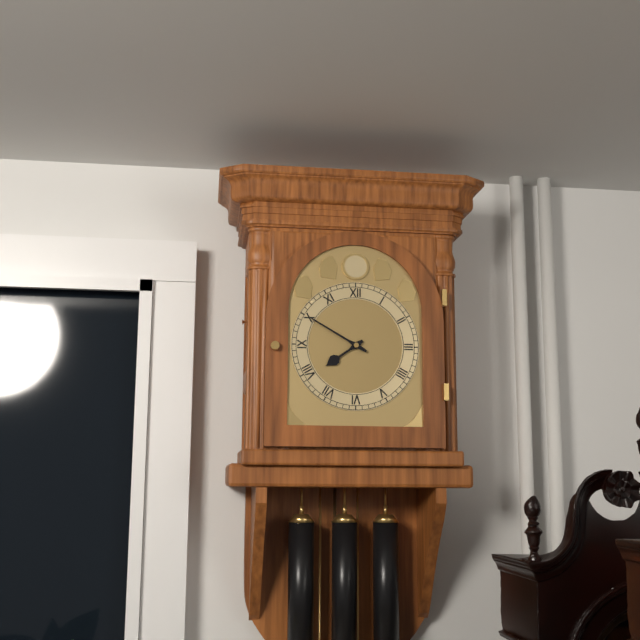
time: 7:50
